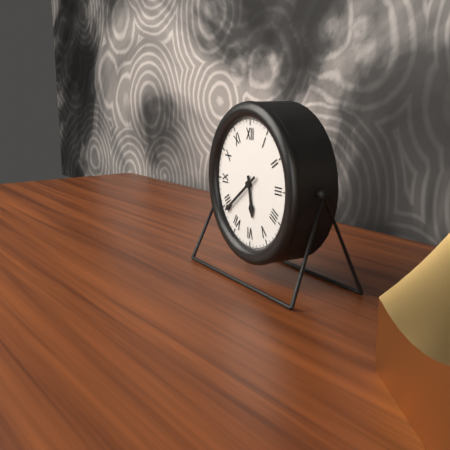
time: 5:39
